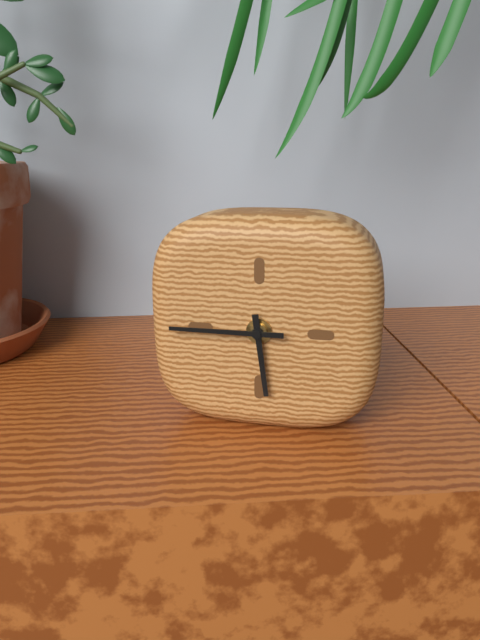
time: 5:45
